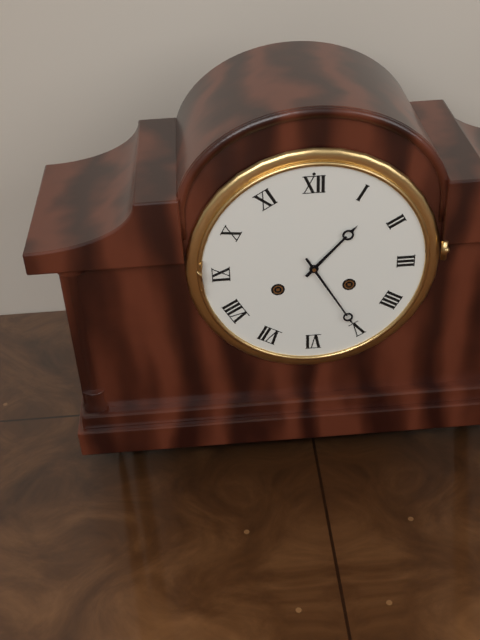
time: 1:25
